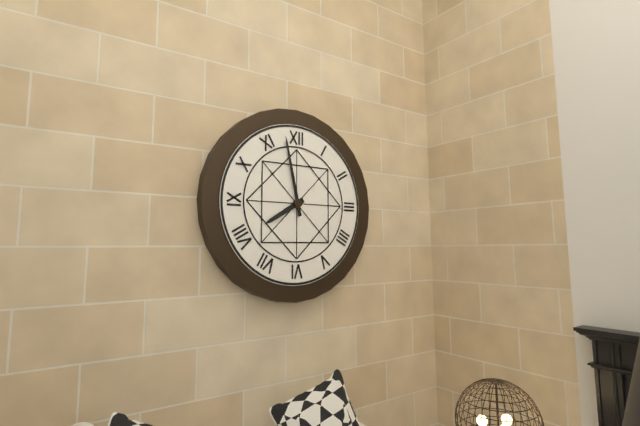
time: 7:58
